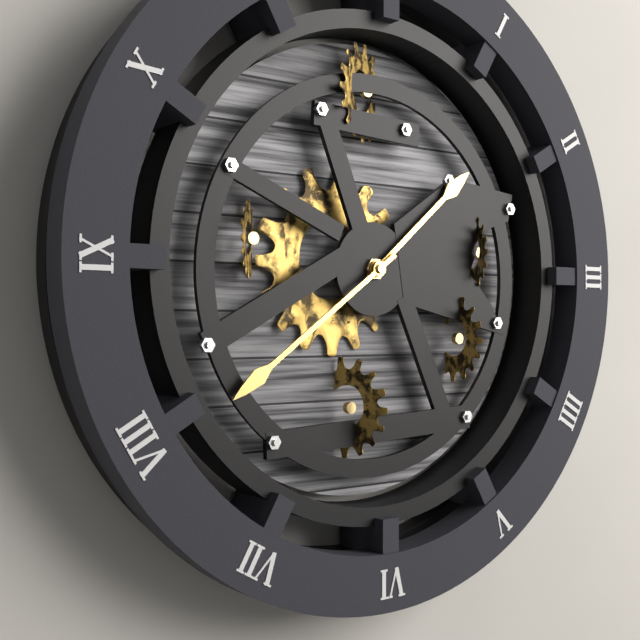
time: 1:39
